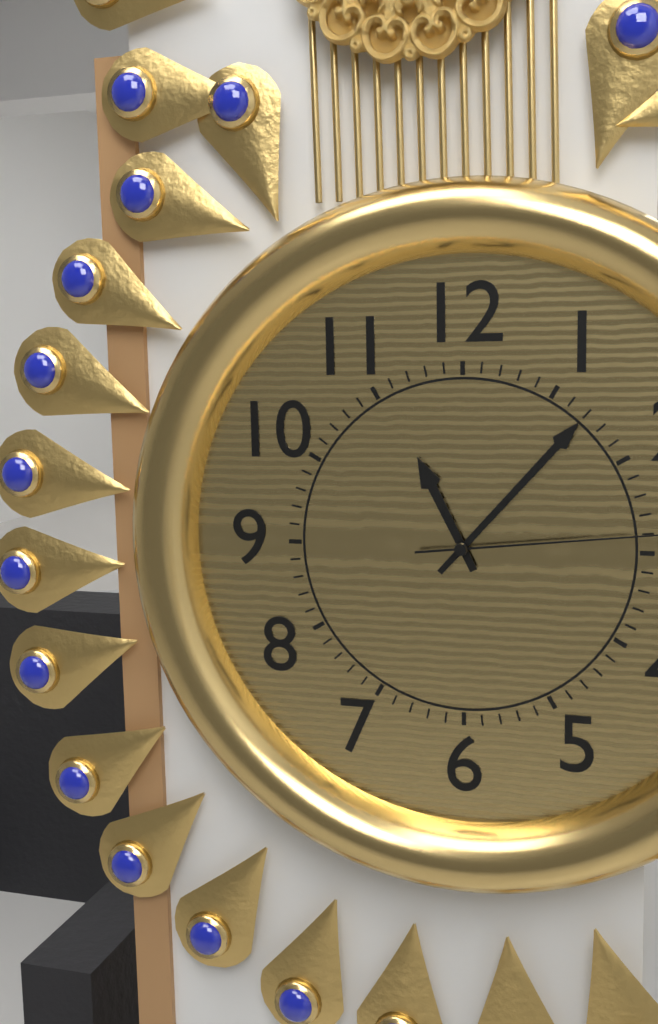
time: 11:07
